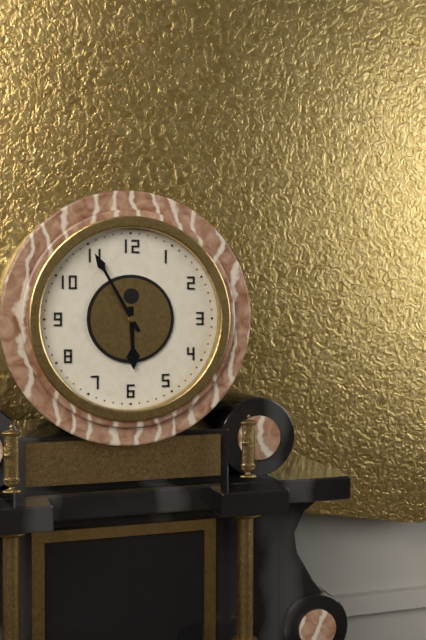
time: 5:55
